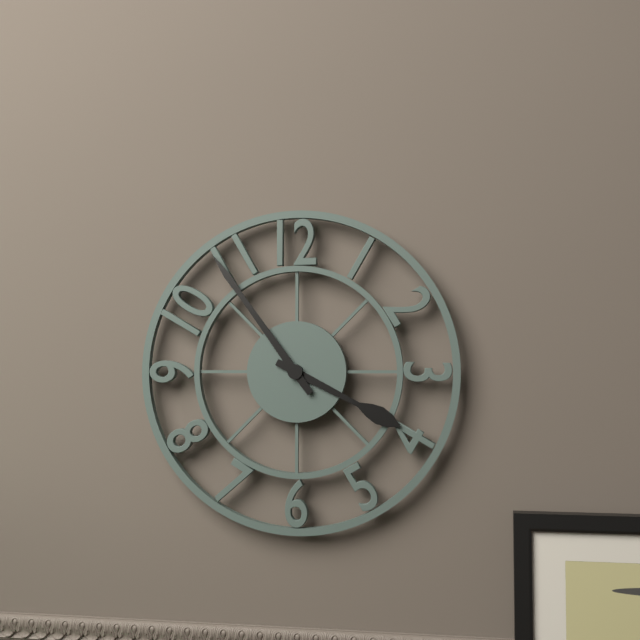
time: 3:54
